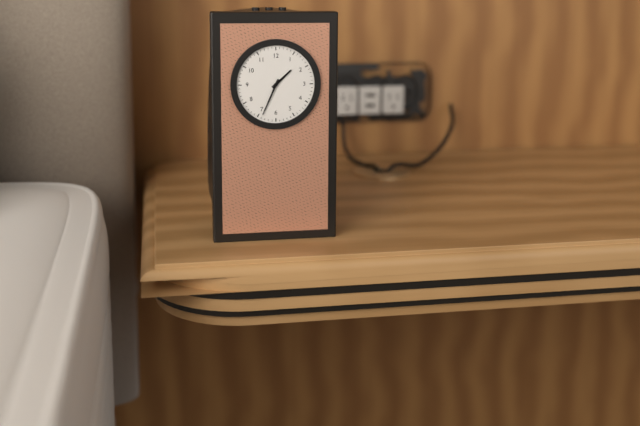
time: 1:34
